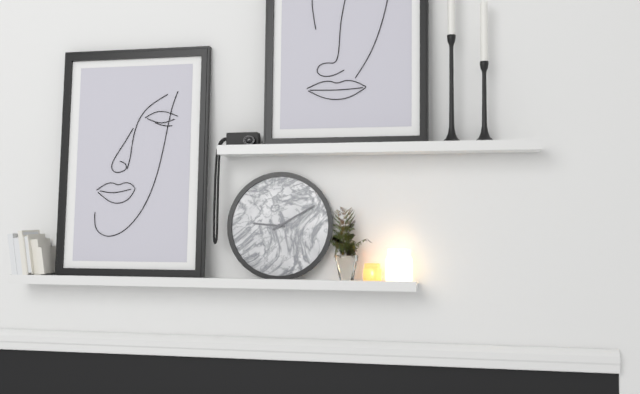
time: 9:10
